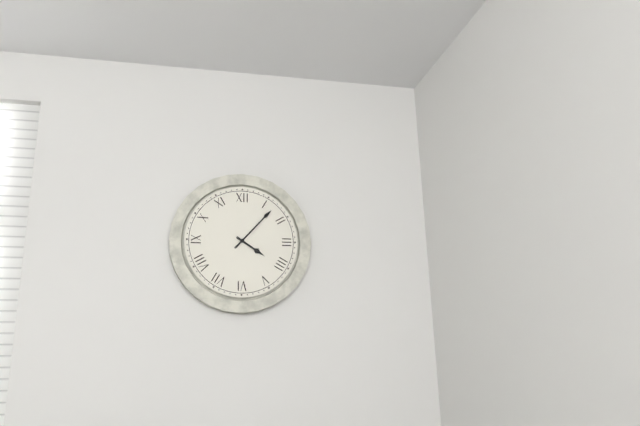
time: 4:07
